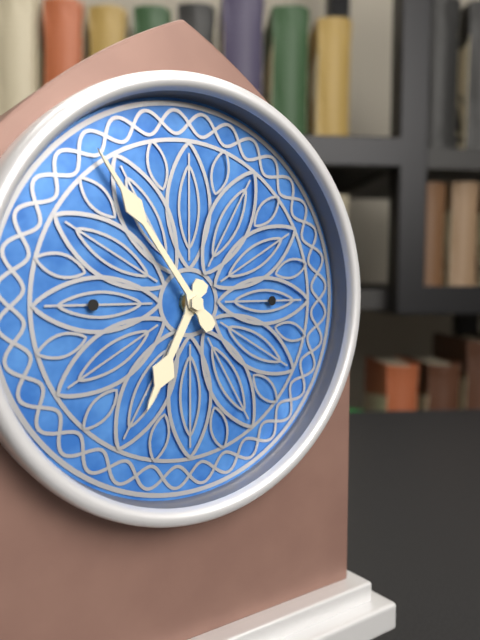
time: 6:54
